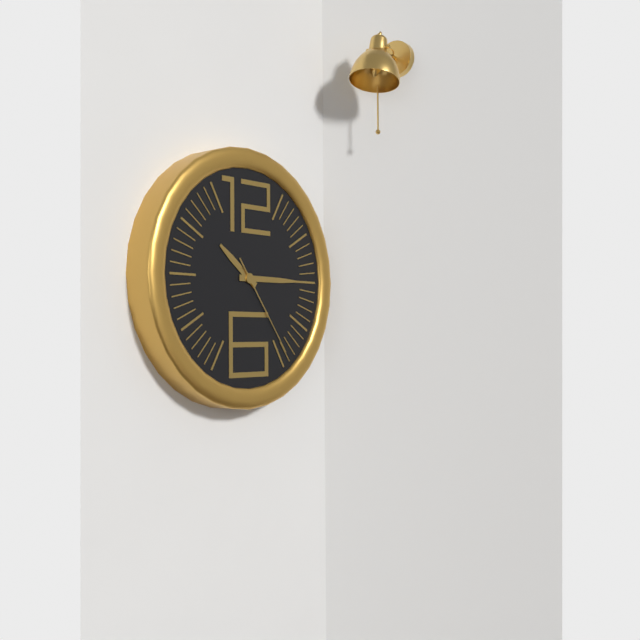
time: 10:15:24
